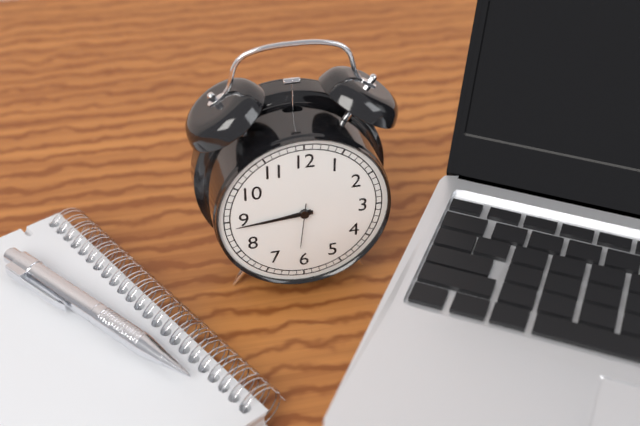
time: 8:44
